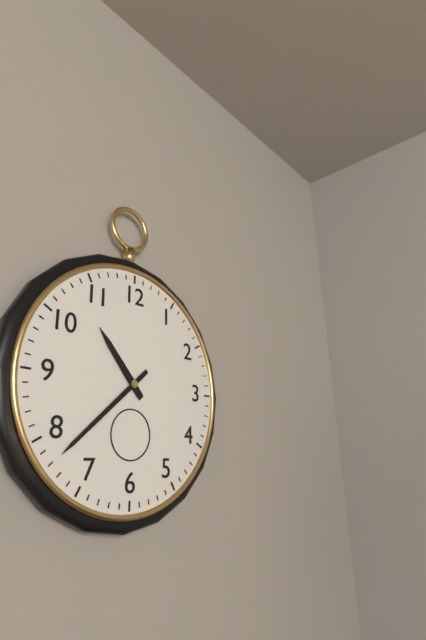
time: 10:38
